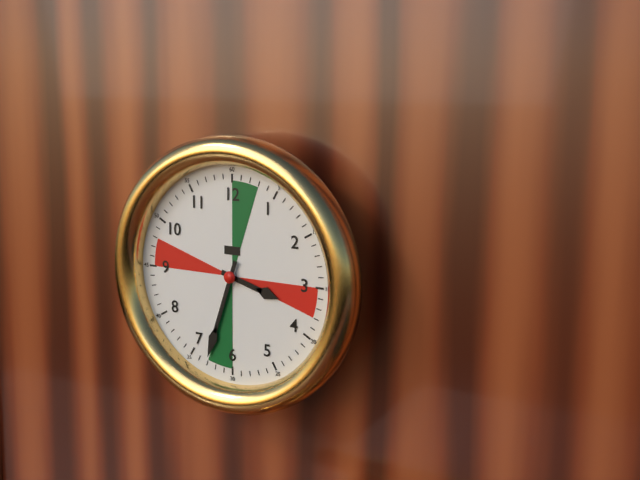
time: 3:33
